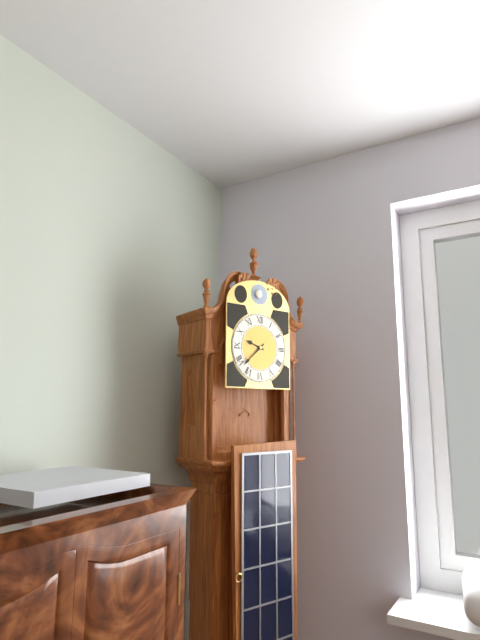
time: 9:38
